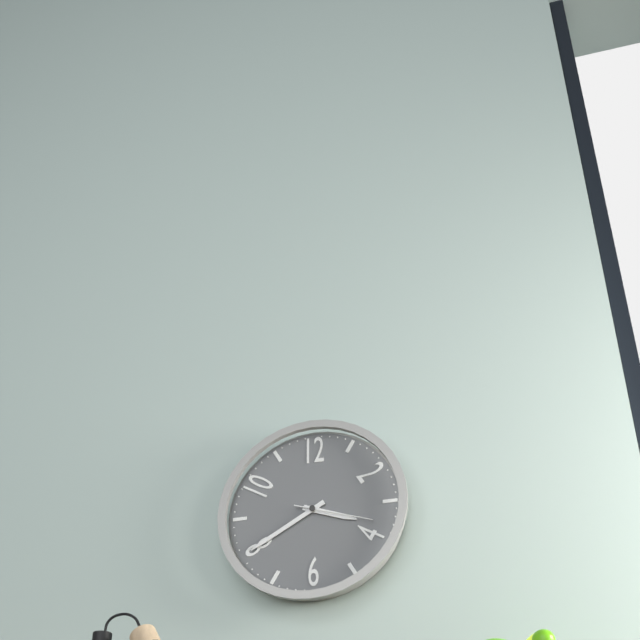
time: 3:40:18
